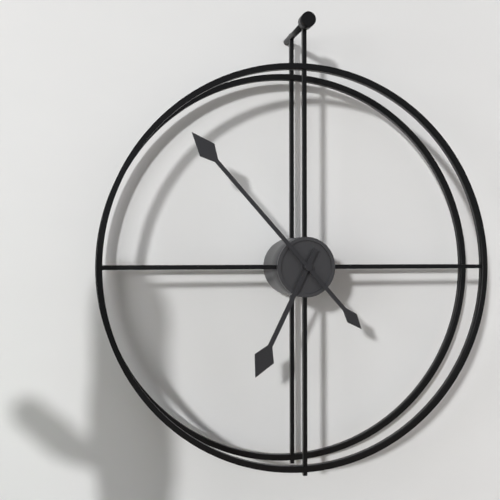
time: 6:53
